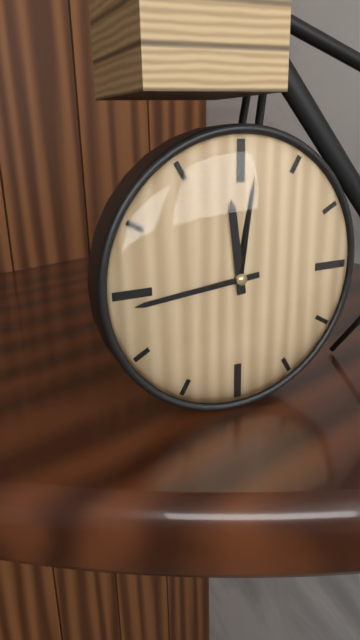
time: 11:44
